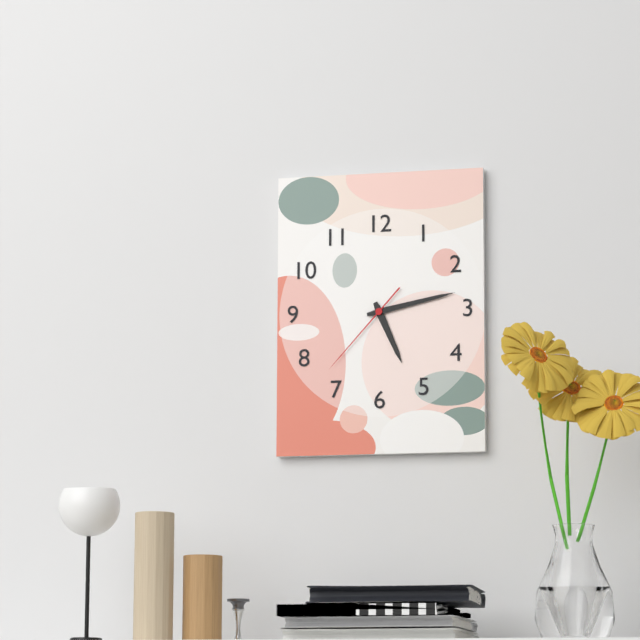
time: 5:13:37
